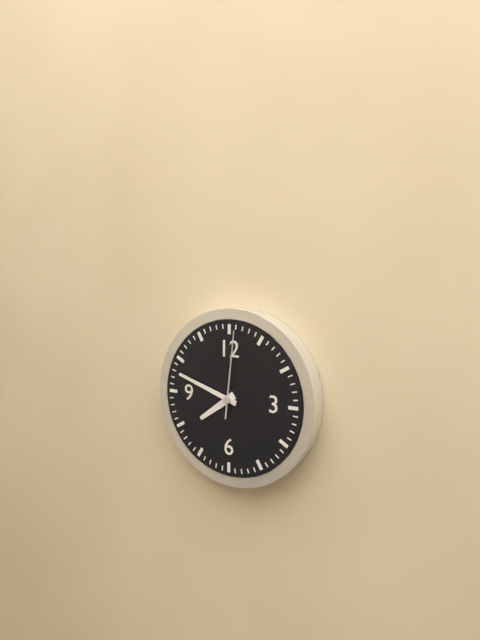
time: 7:48:01
